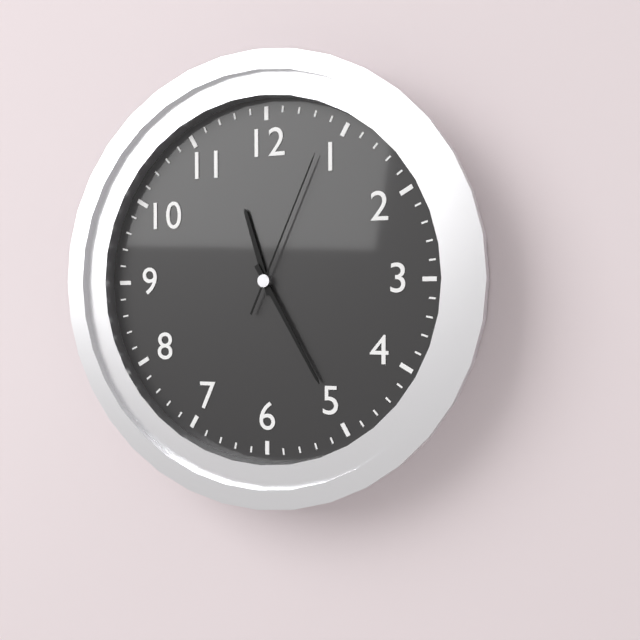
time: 11:25:04
